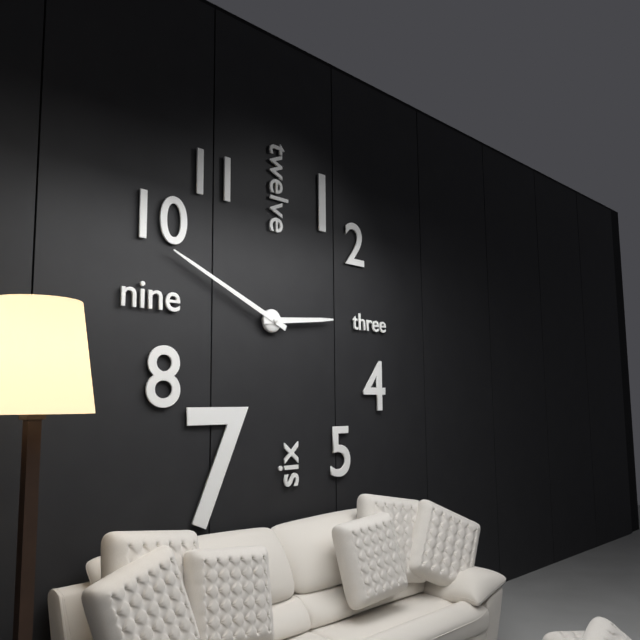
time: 2:49
